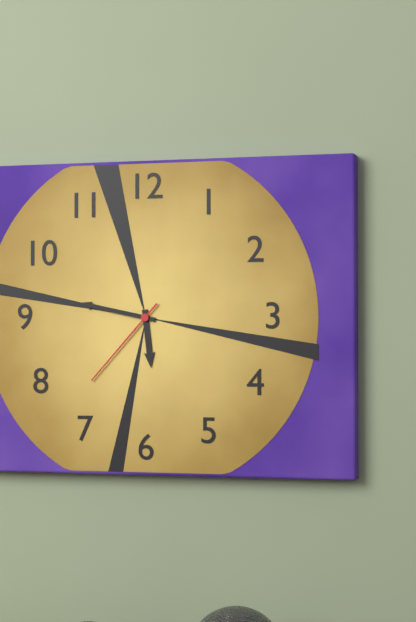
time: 5:47:37
